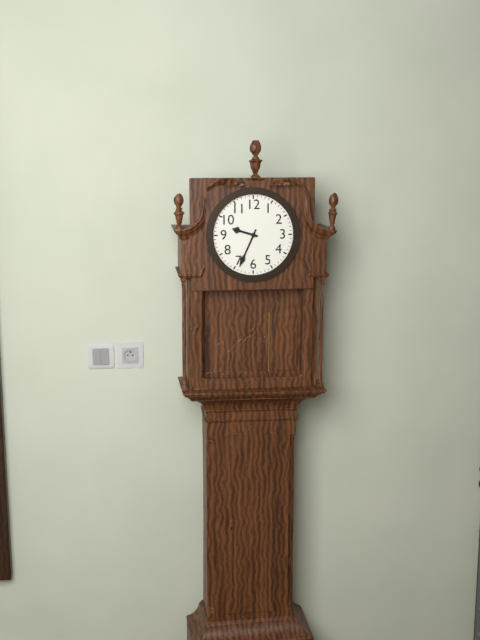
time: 9:34
